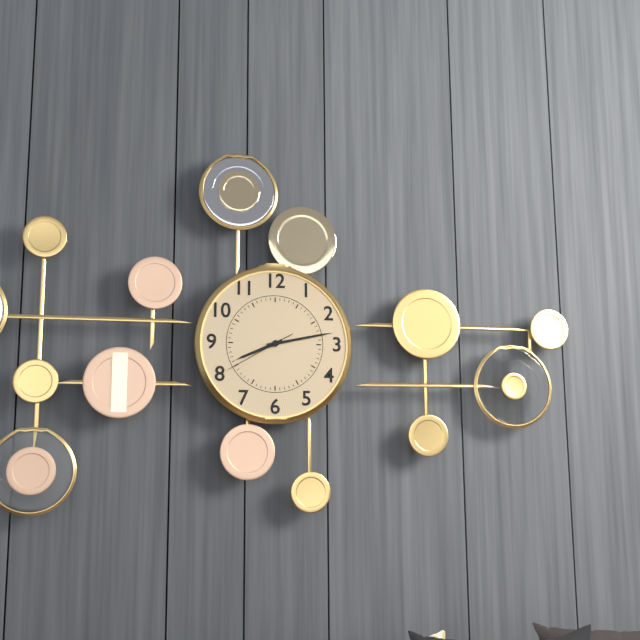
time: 8:13:40
